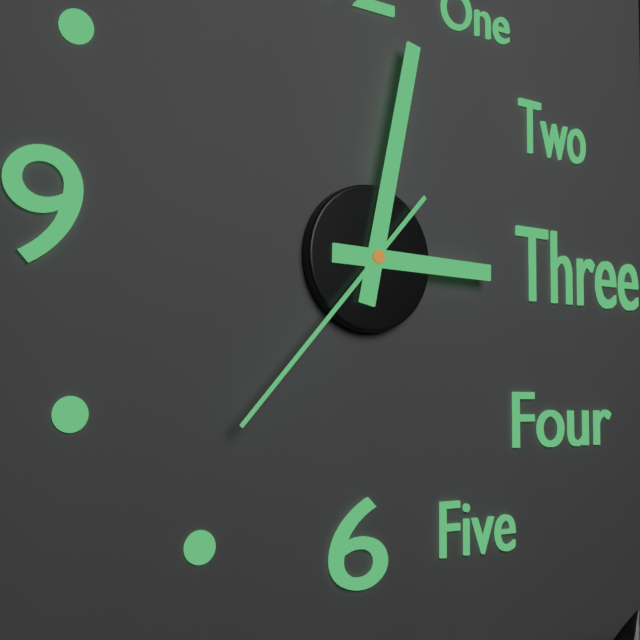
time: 3:02:37
